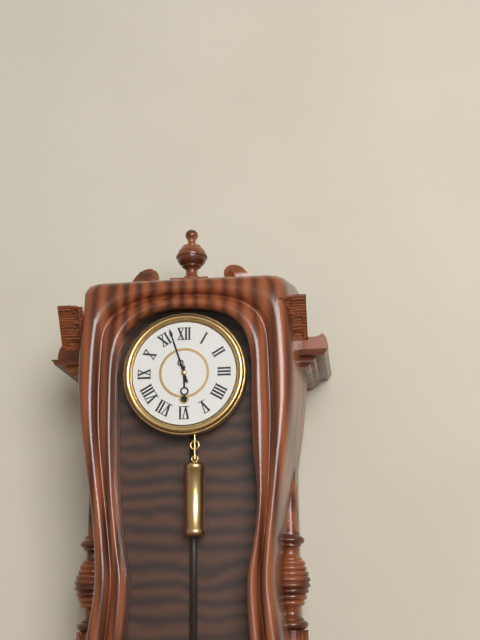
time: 5:57
